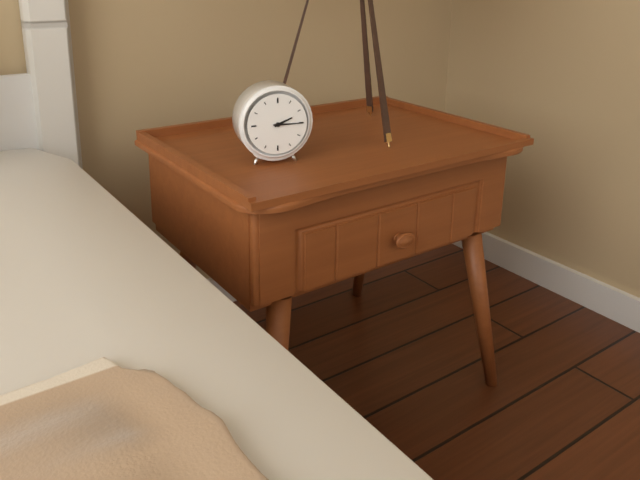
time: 2:15
